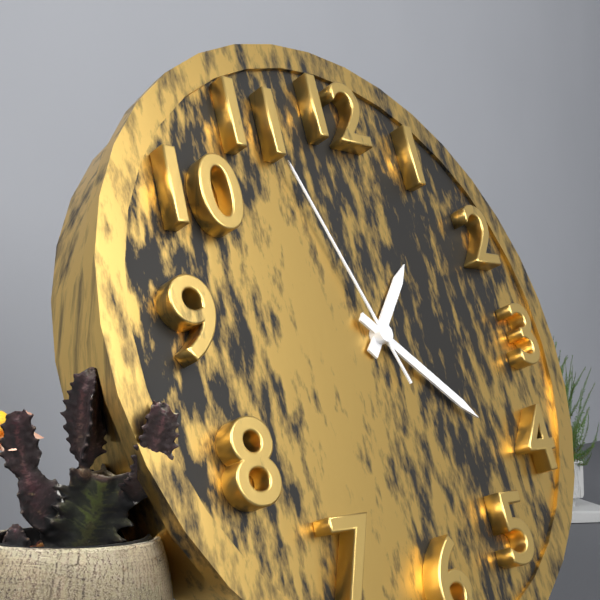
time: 1:21:56
